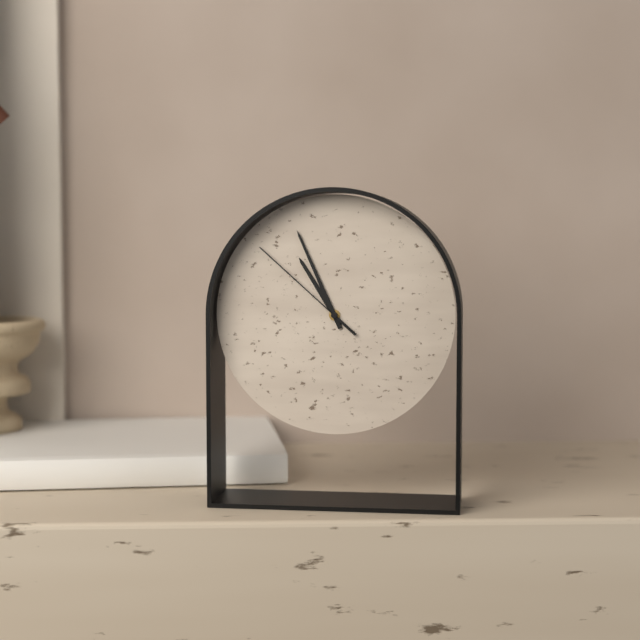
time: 10:56:52
